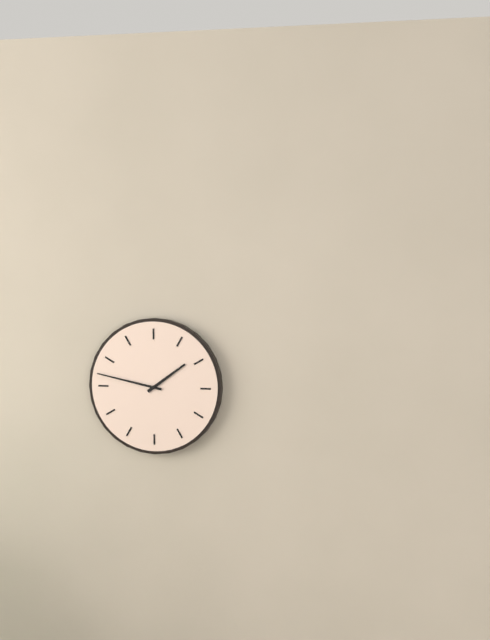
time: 1:47
